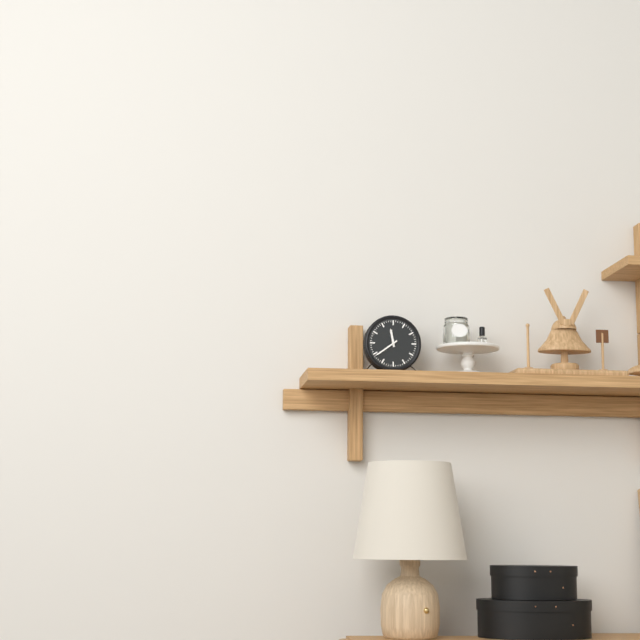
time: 11:39
